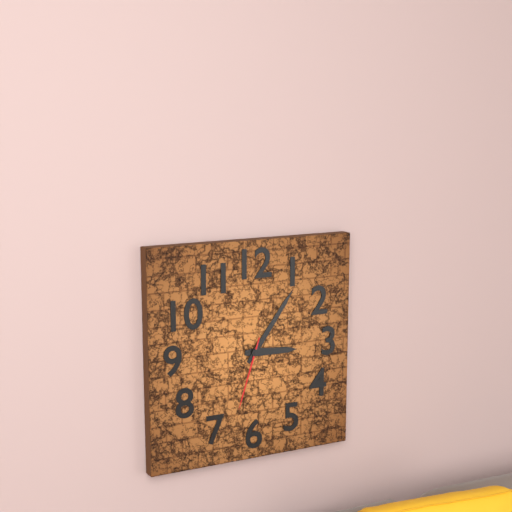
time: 3:06:33
